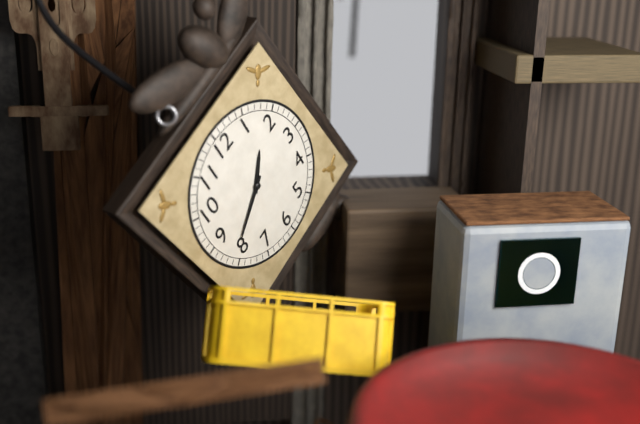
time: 1:41
